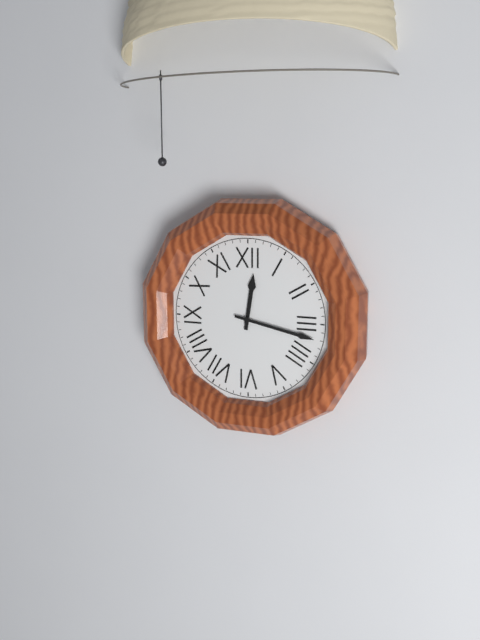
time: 12:17
